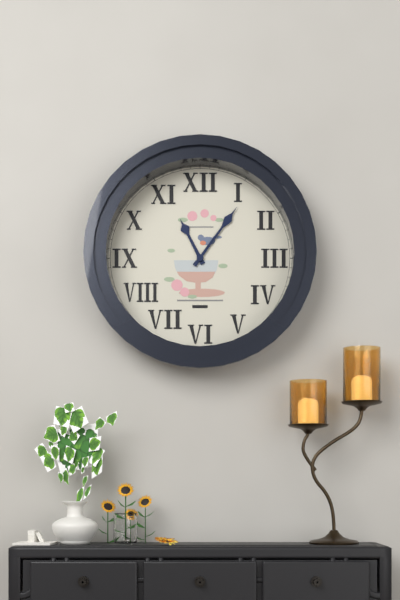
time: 11:06
